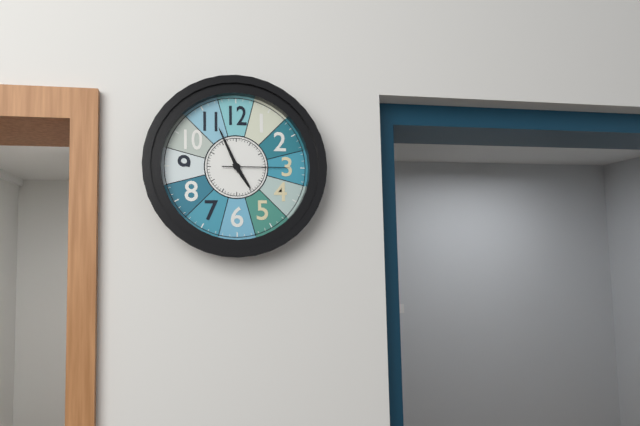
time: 4:56:15
